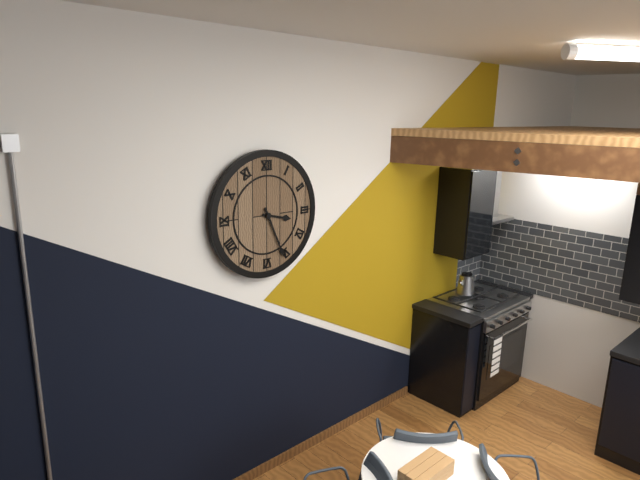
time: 3:26
